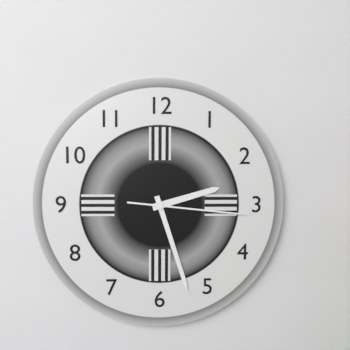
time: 2:27:16
